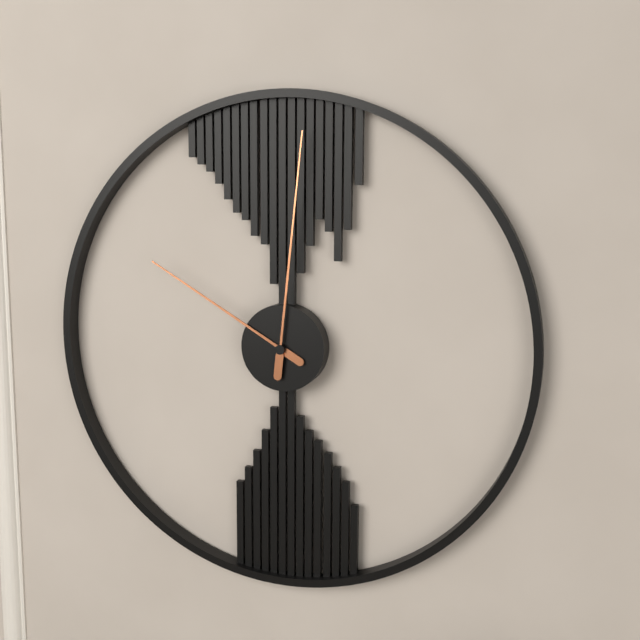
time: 10:01
